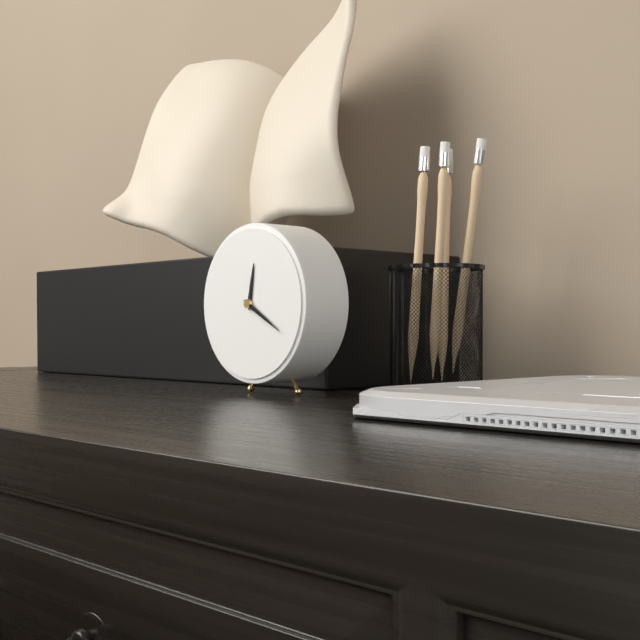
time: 12:20
